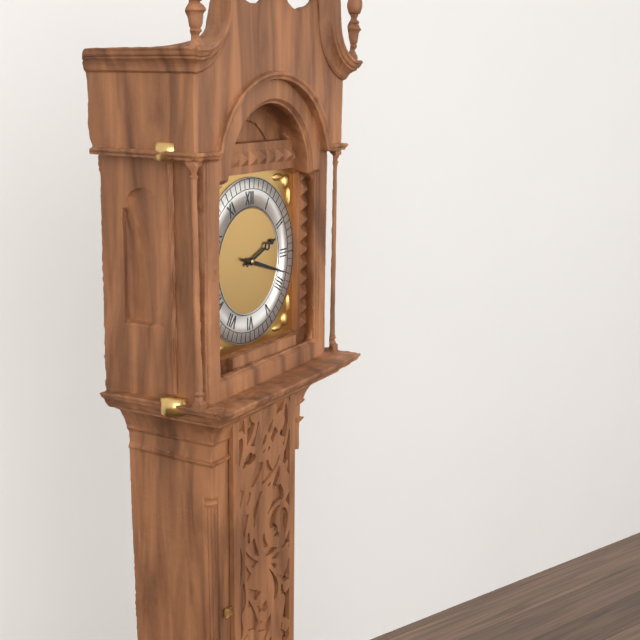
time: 2:18
